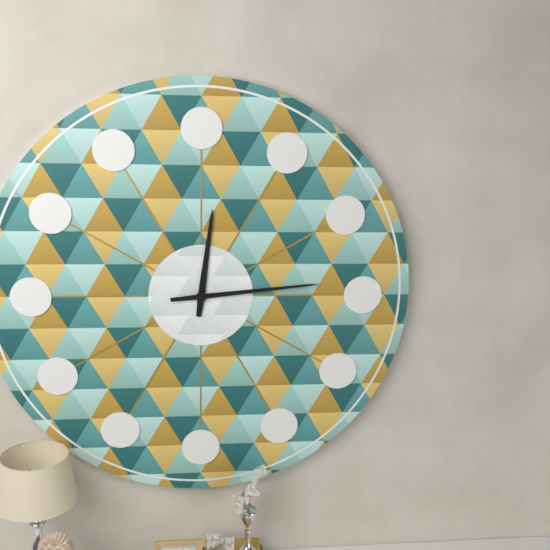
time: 12:14
